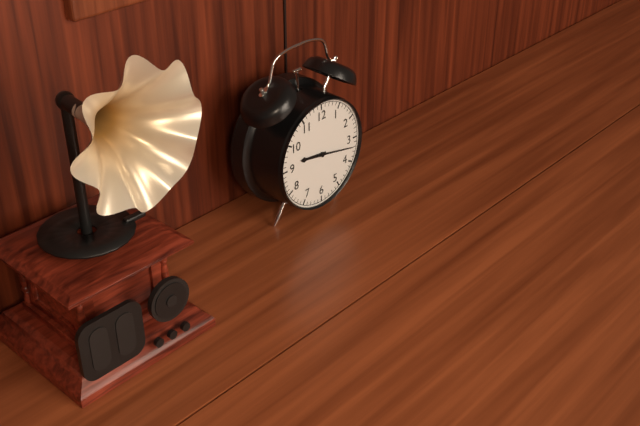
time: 9:17
